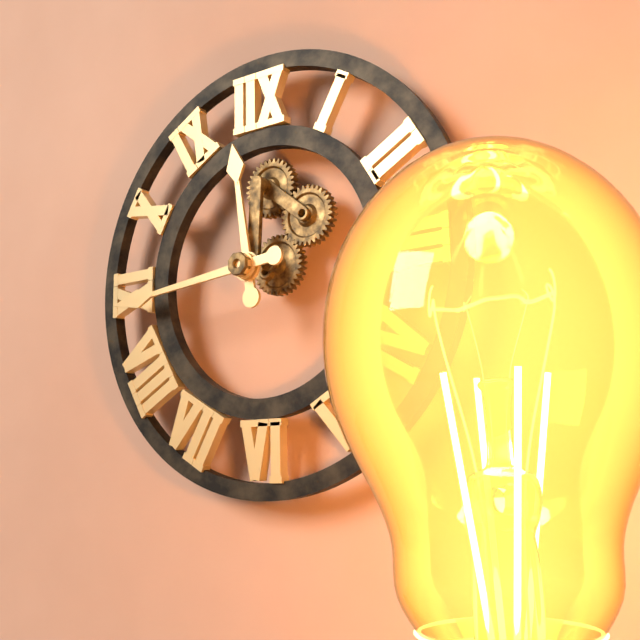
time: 11:44
